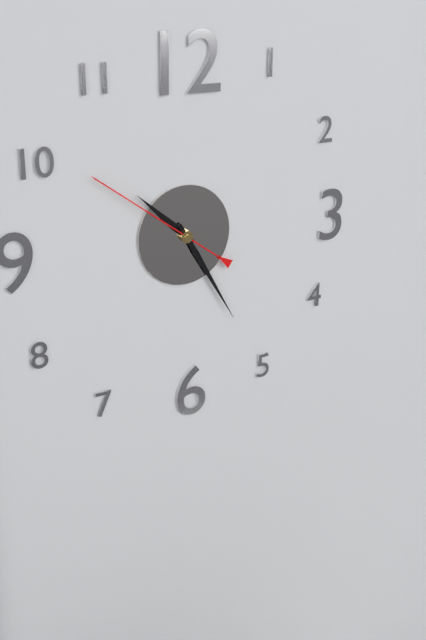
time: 10:25:51
